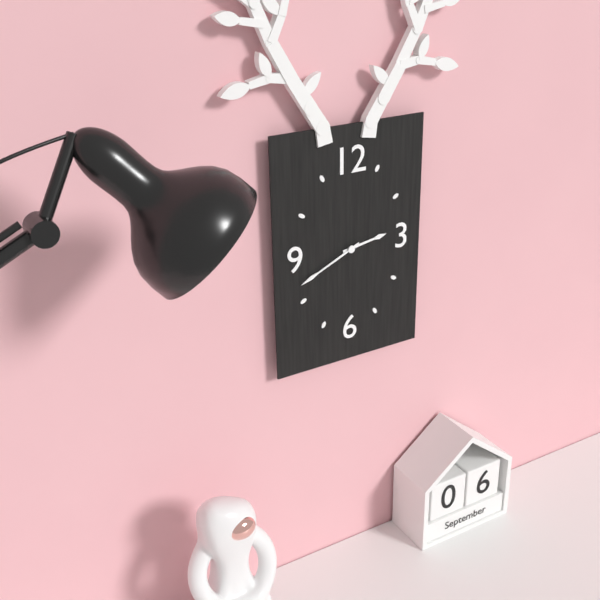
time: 2:41
